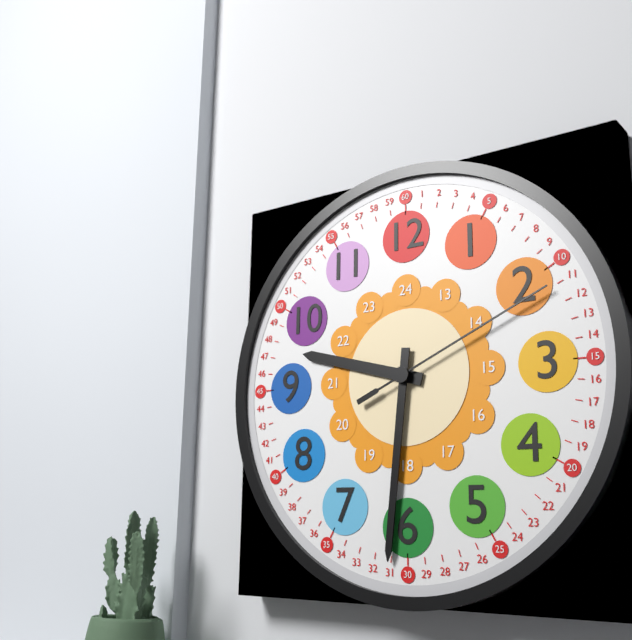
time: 9:31:11
